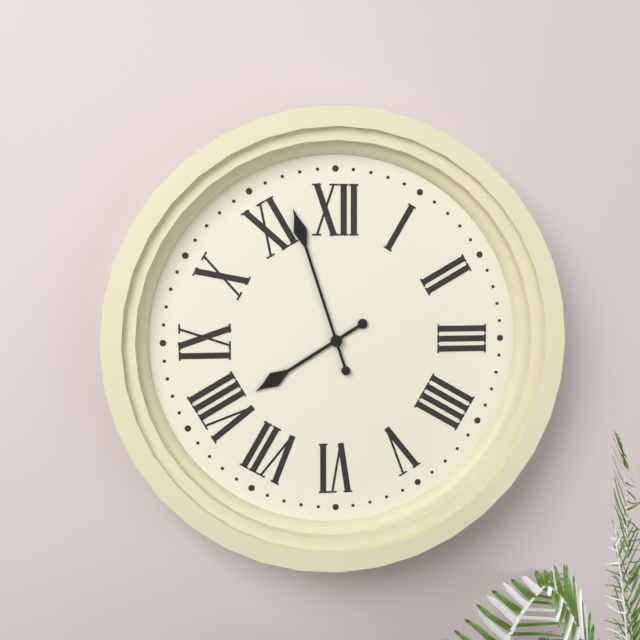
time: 7:57
